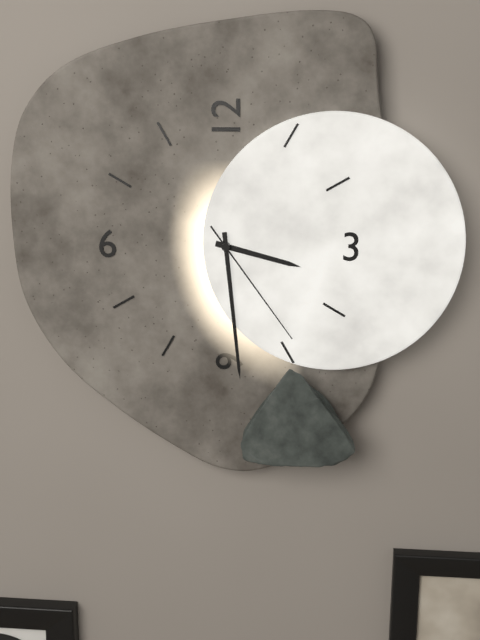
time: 3:29:24
